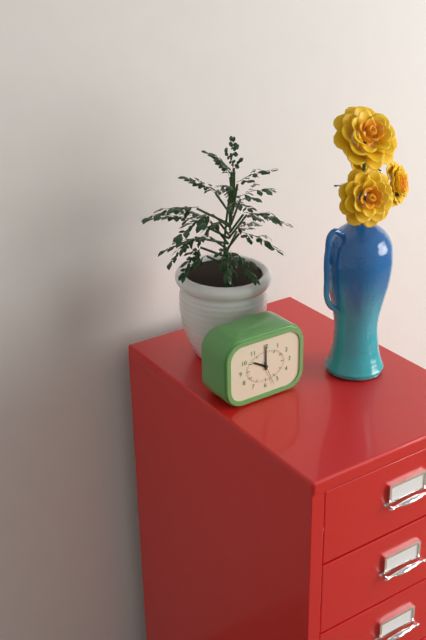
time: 10:00
